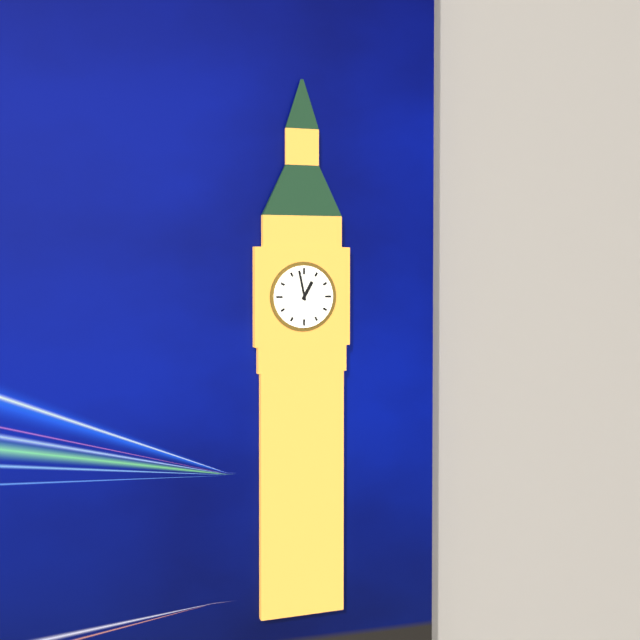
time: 12:58
